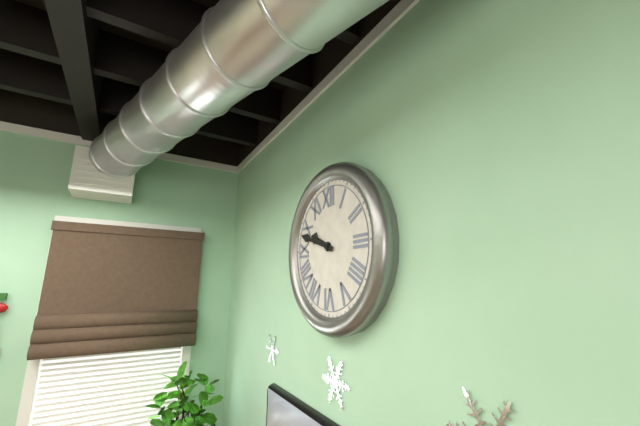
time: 9:48
